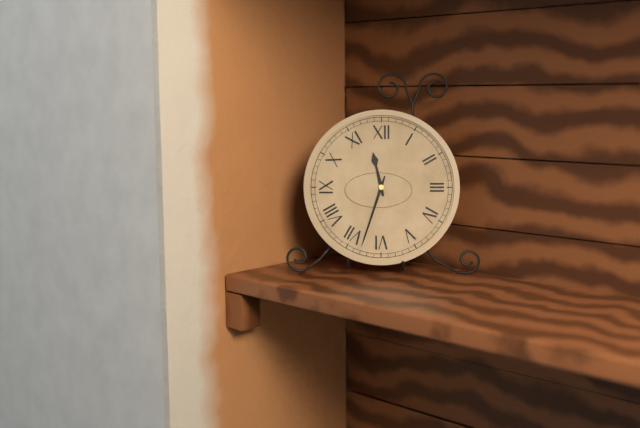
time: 11:33
